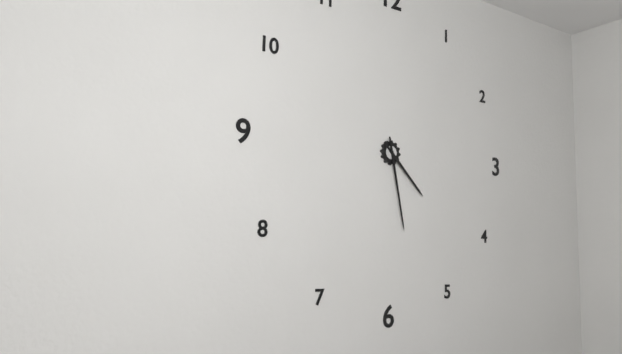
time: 4:28
